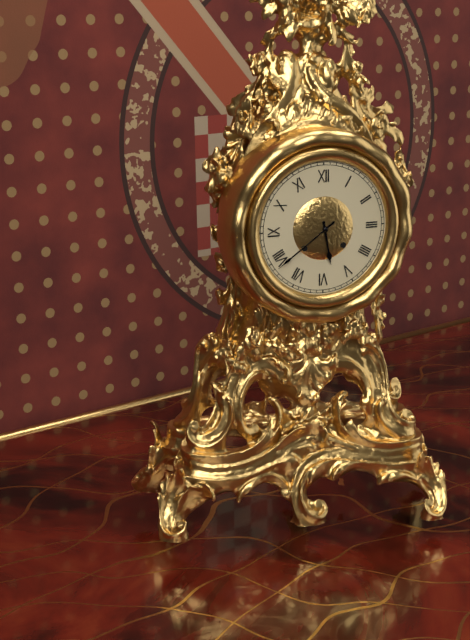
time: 5:39
